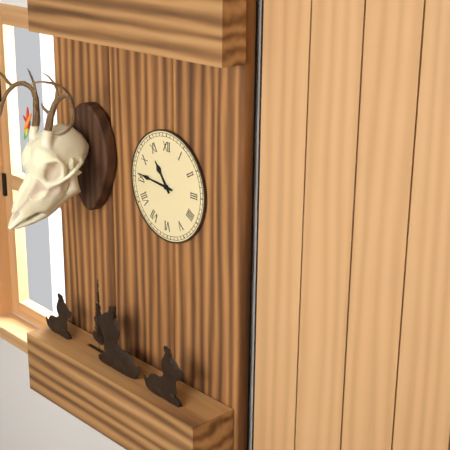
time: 10:46
